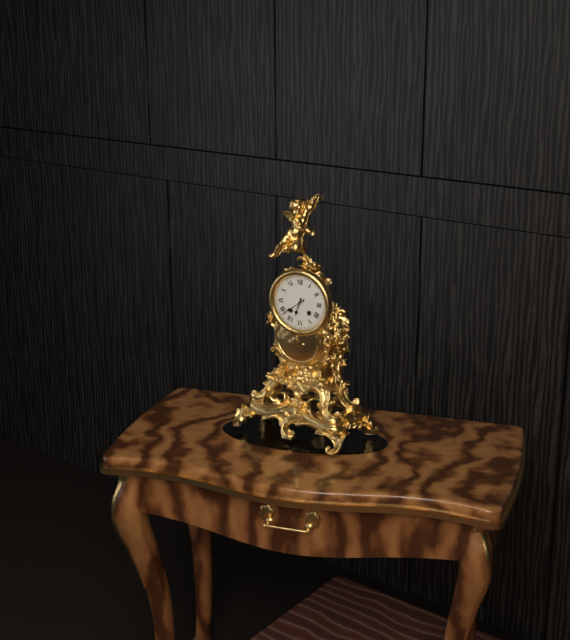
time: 6:39
